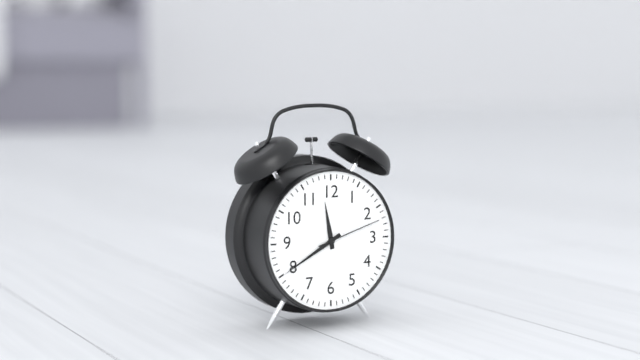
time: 11:40:12
